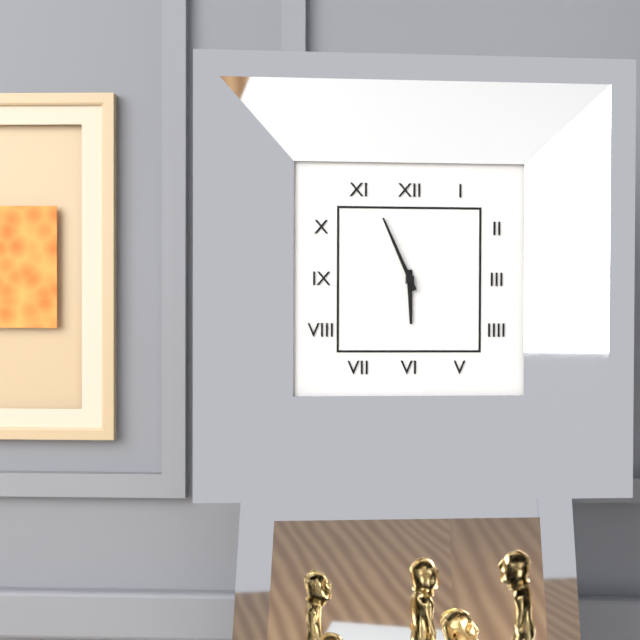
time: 5:56
